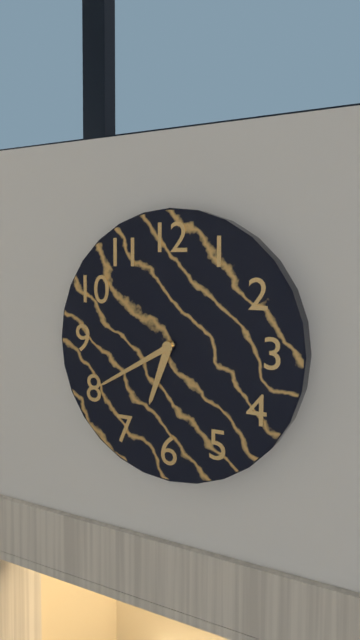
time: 6:40
